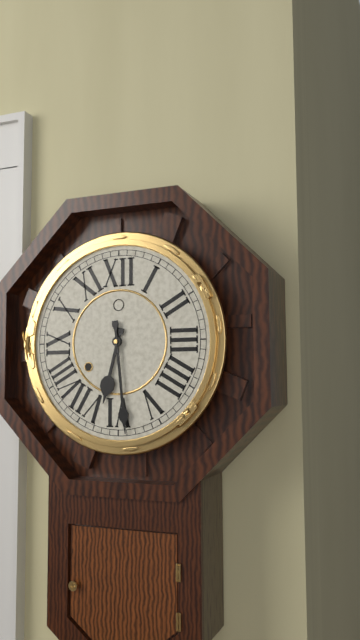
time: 6:29
